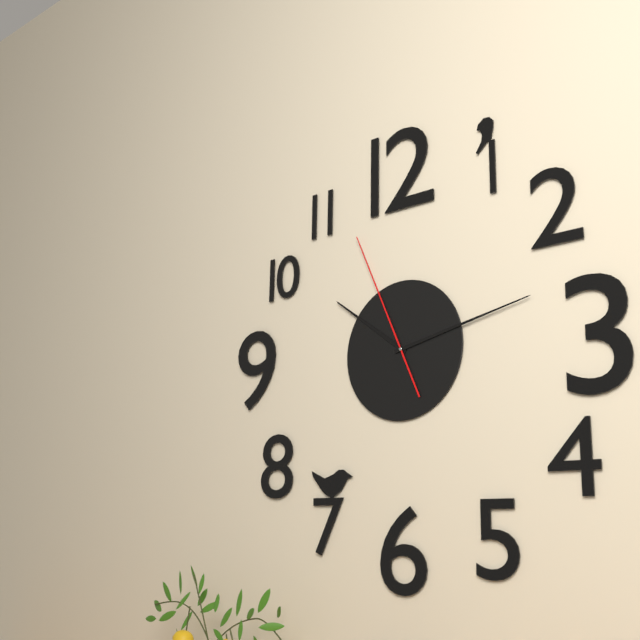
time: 10:13:56
